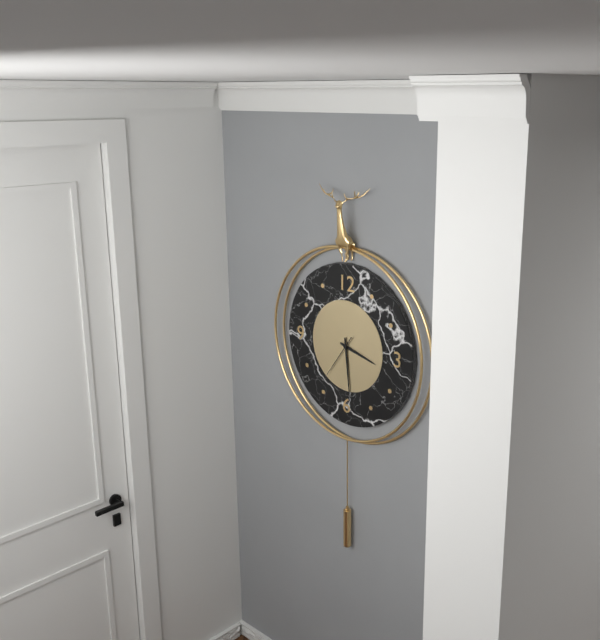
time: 3:29
